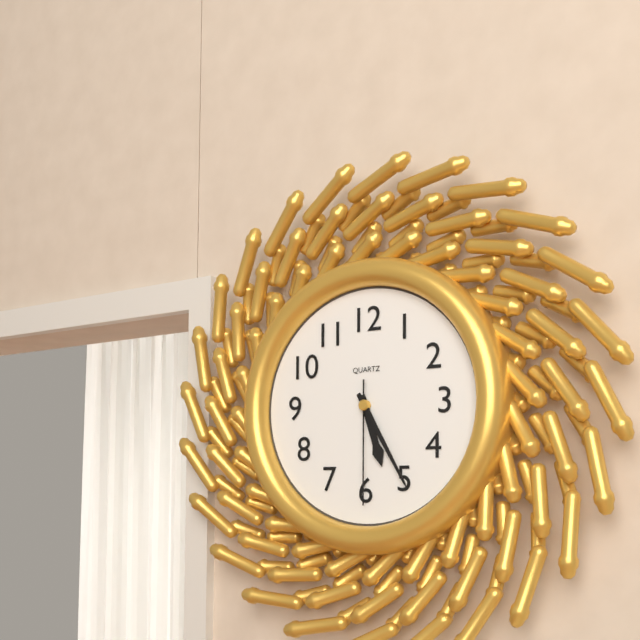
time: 5:25:30
